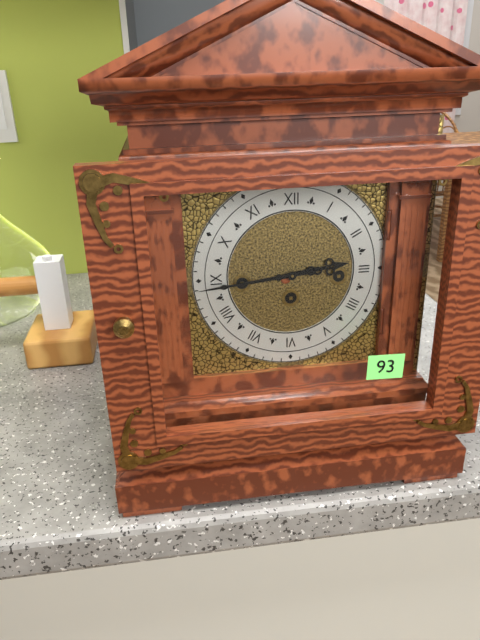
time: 2:44
